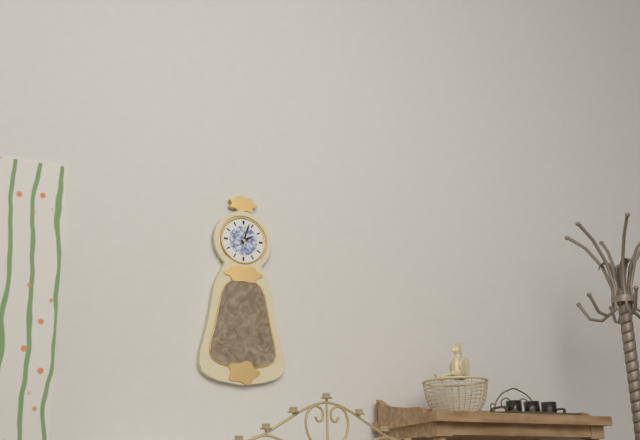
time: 2:03
